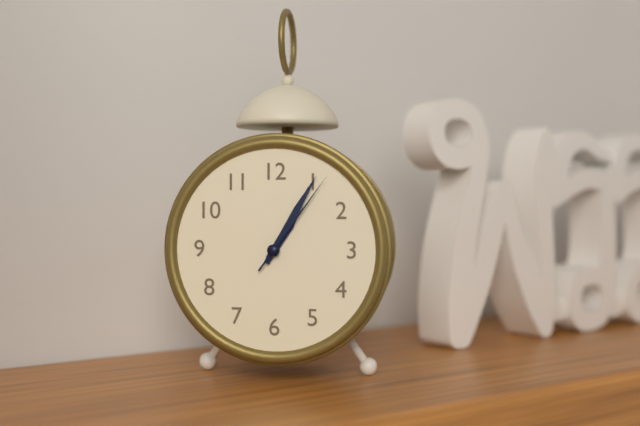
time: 1:05:06
